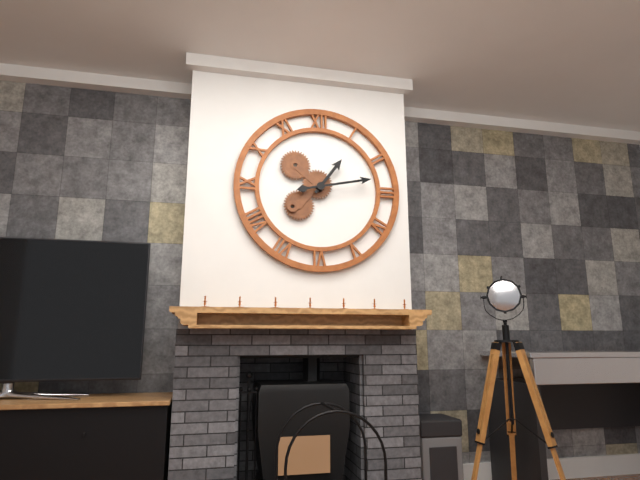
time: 1:13
